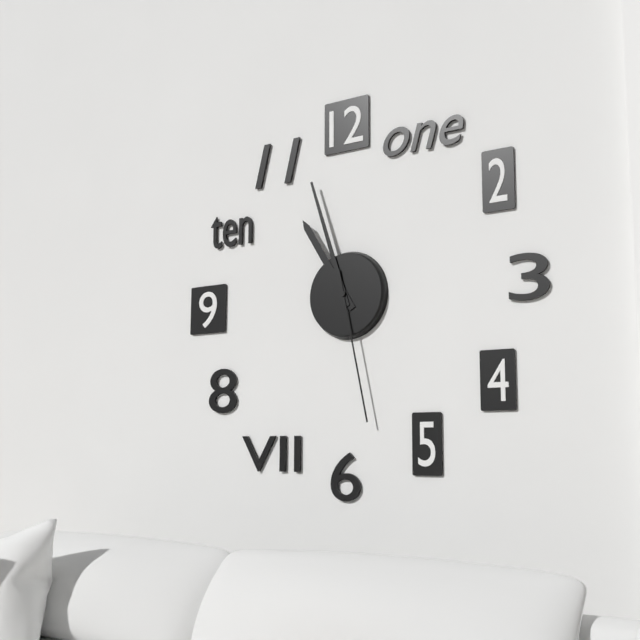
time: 10:57:28
